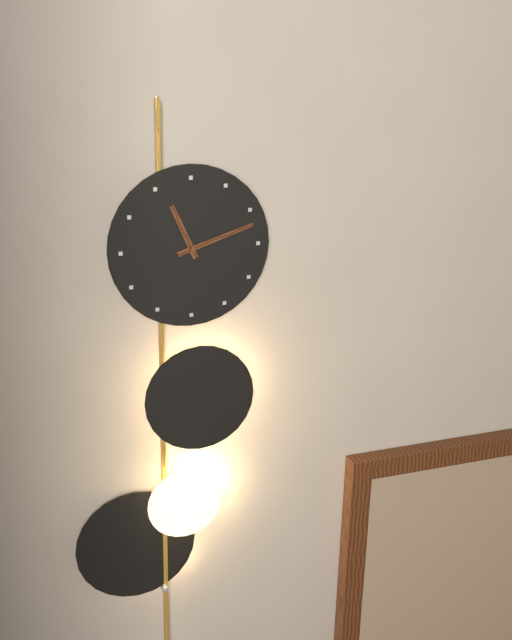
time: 11:12
